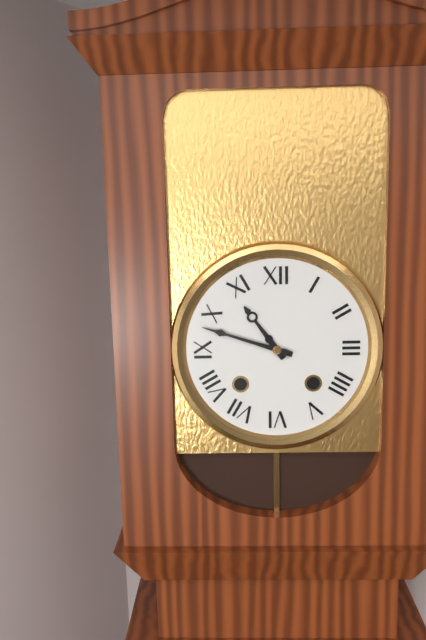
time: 10:48
